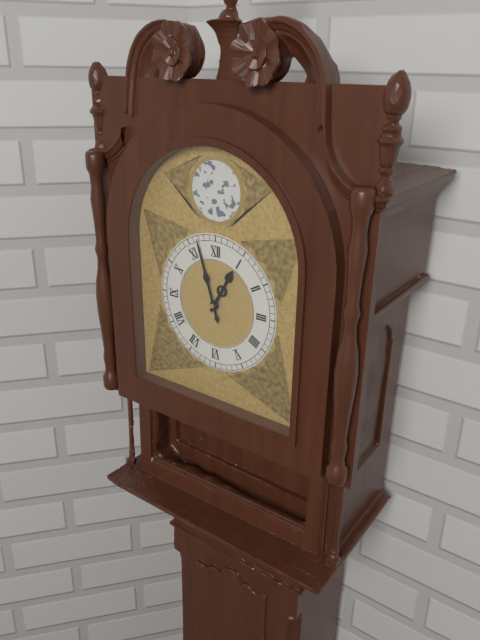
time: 12:57
